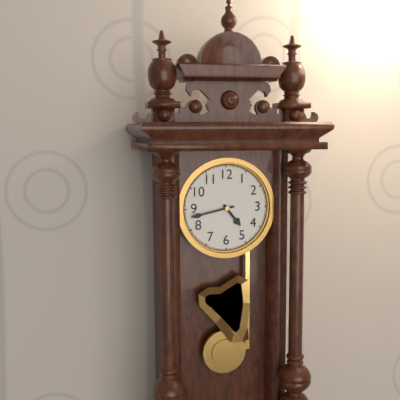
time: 4:43
